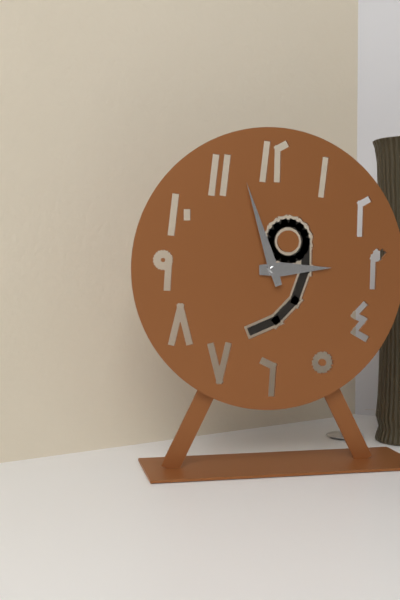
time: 2:57
